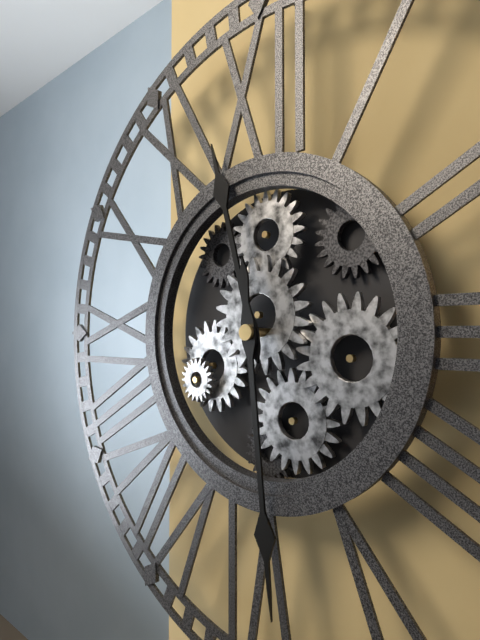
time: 11:29
